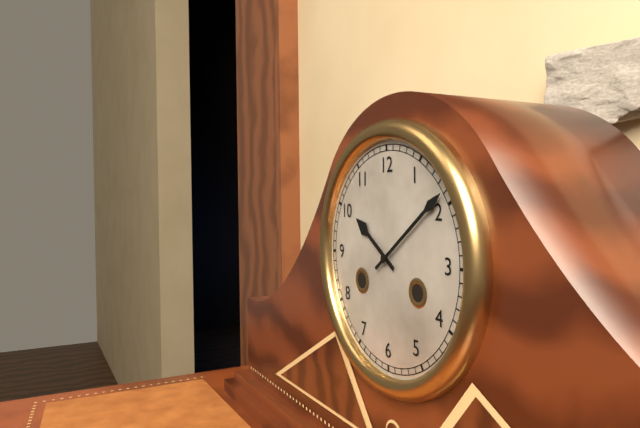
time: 10:09
